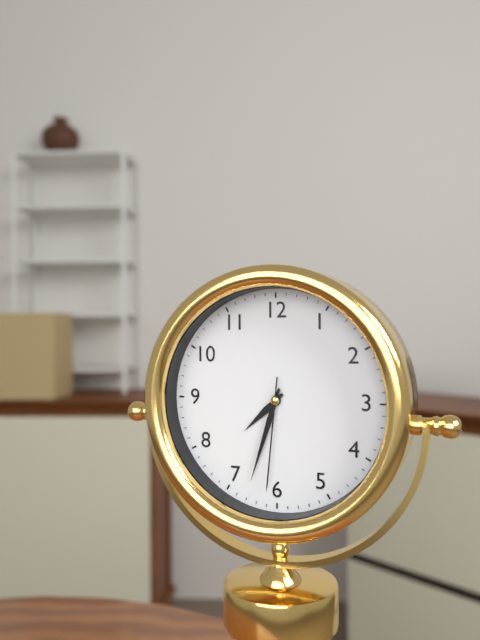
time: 7:33:31
